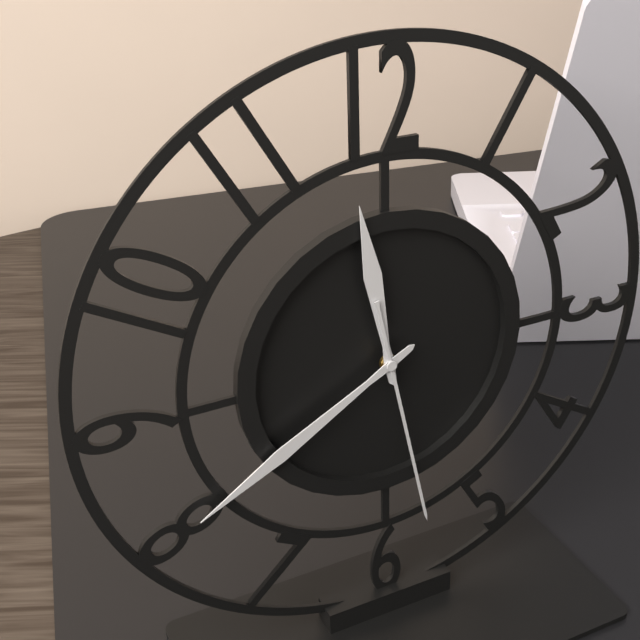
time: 11:40:28
